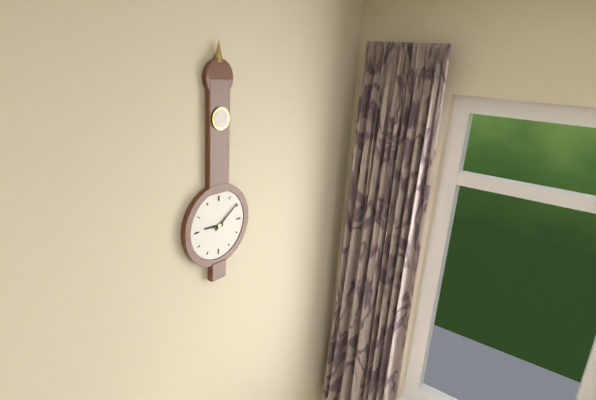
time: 9:09
